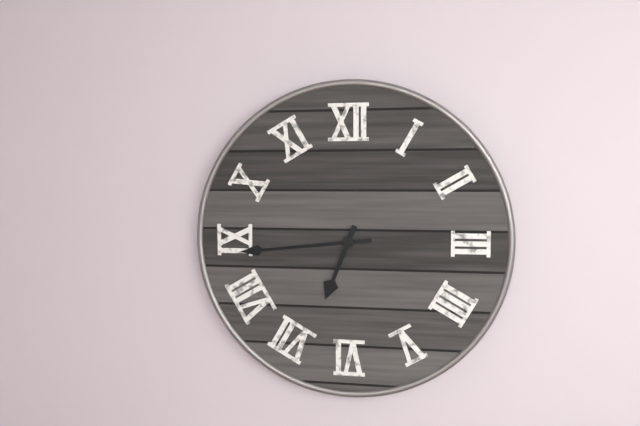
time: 6:44
